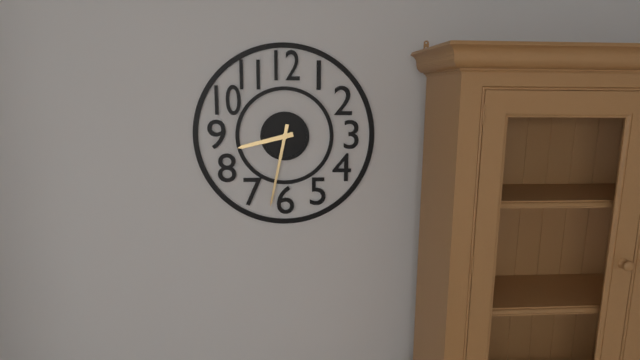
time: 8:32
